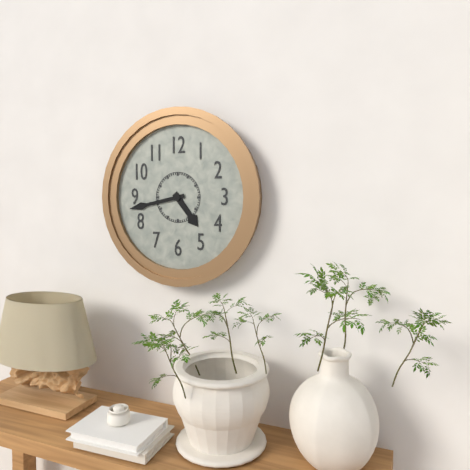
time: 4:43
